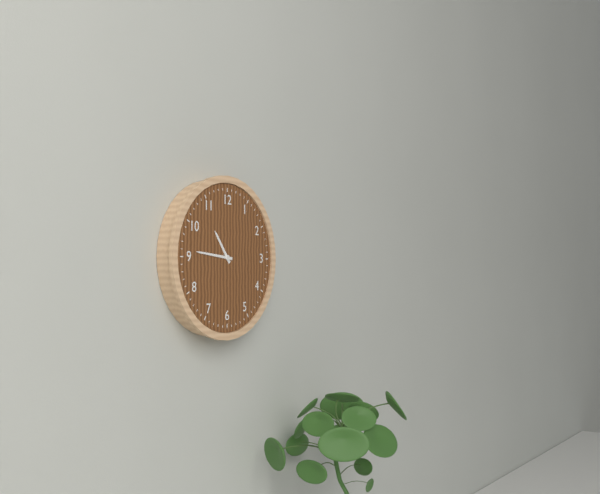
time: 10:46
